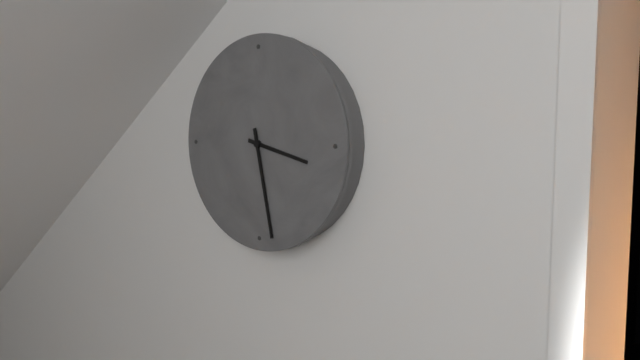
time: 3:28
